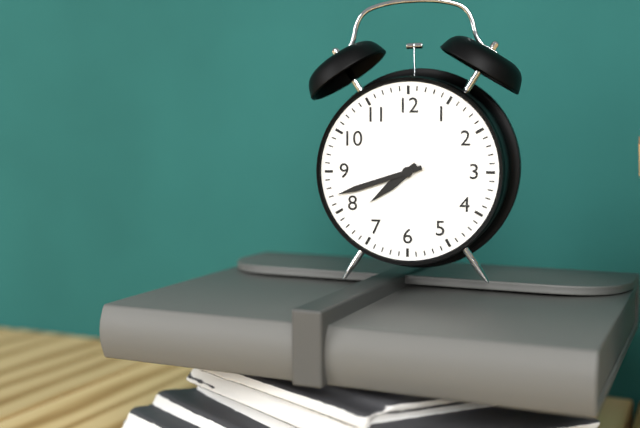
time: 7:42
